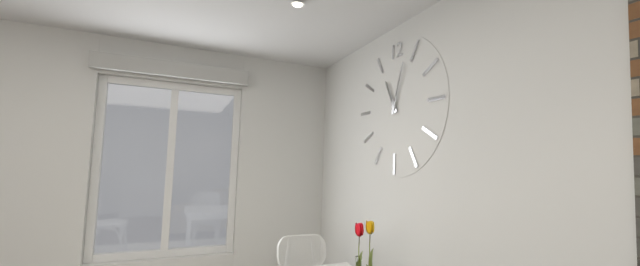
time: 11:03
